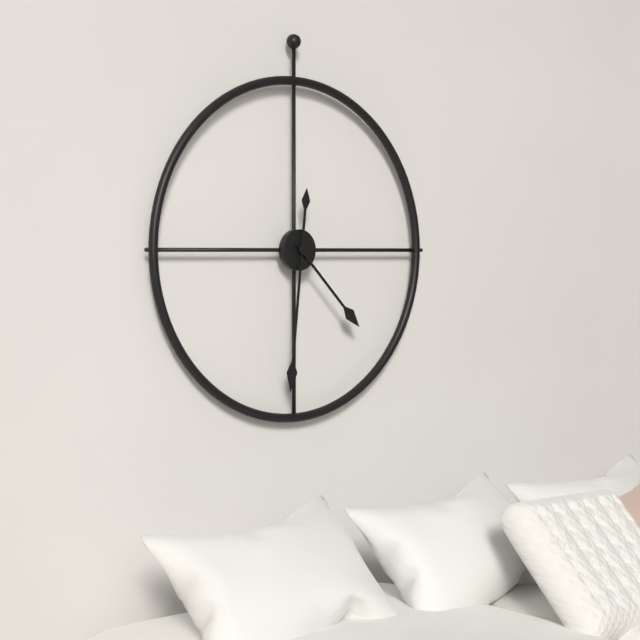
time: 4:31
